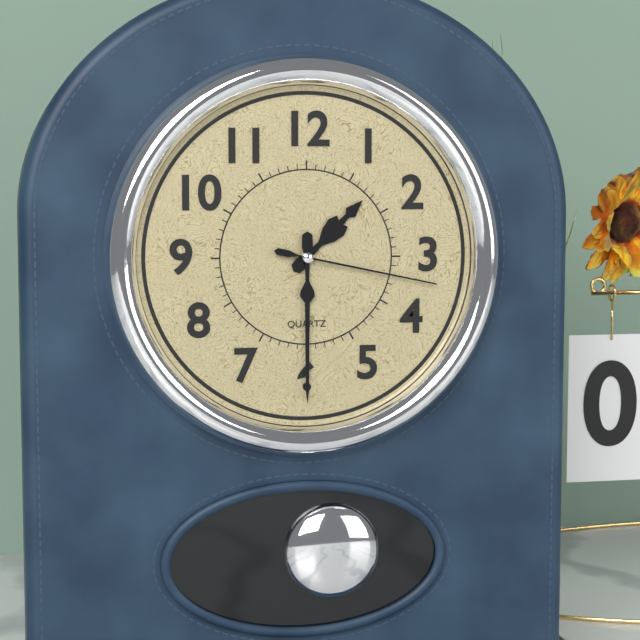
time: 1:30:17
